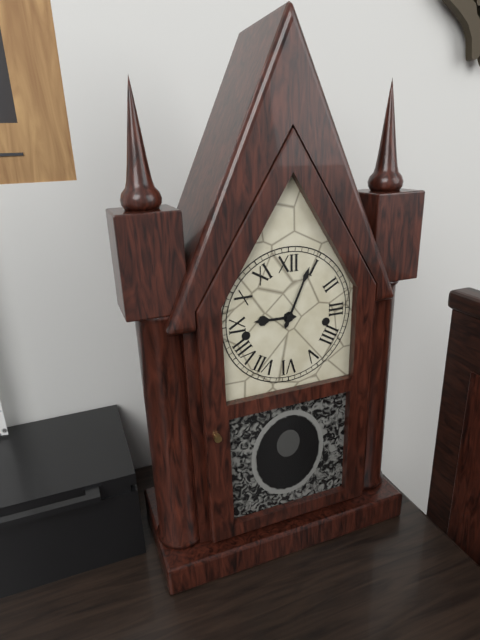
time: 9:04
